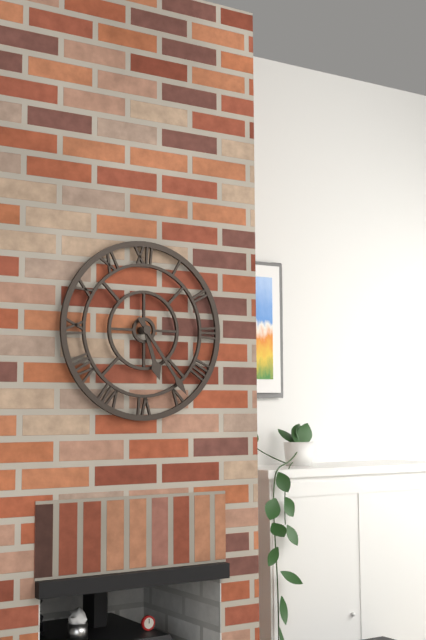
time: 5:24
